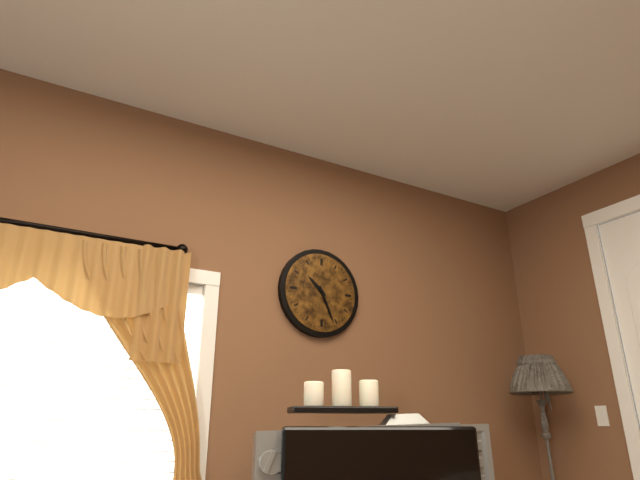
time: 10:26
